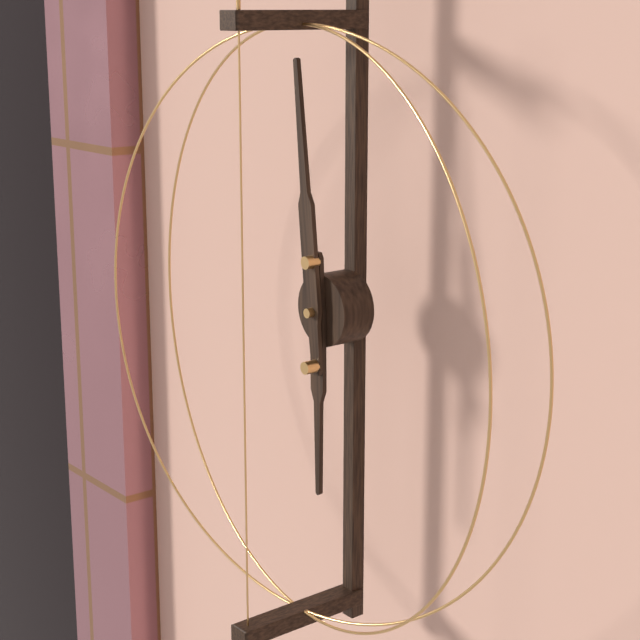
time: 5:59
